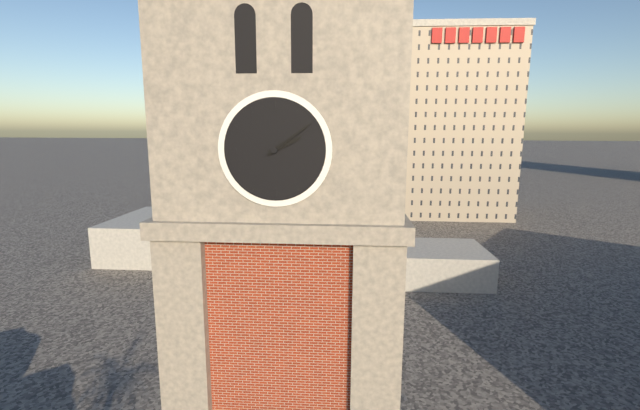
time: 2:09
